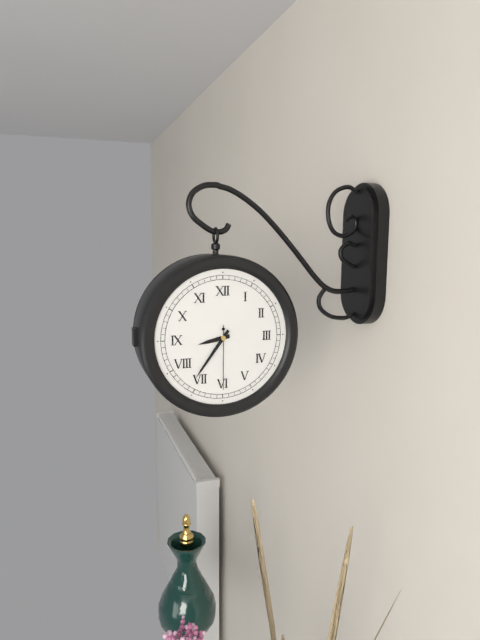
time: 8:36:30
